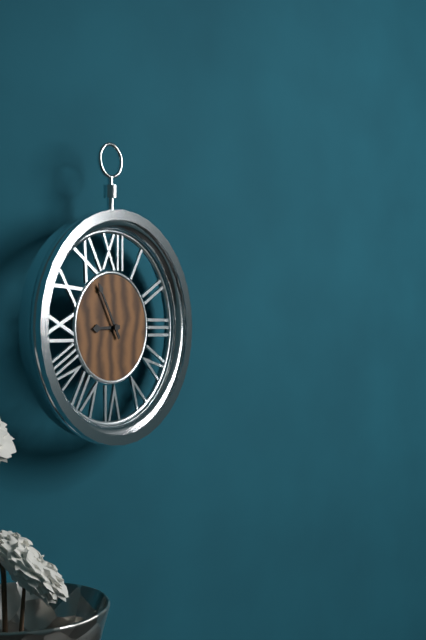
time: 8:55
